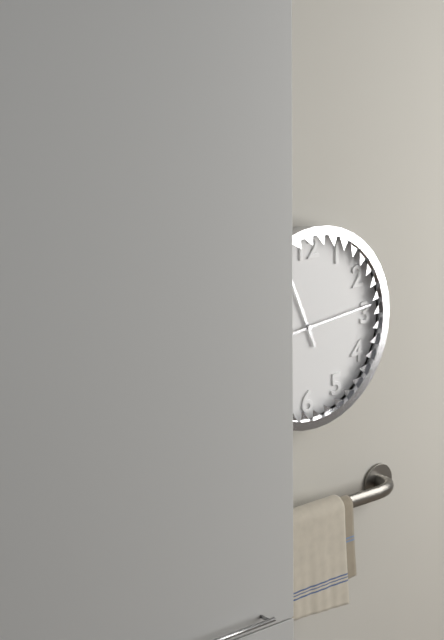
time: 11:14
